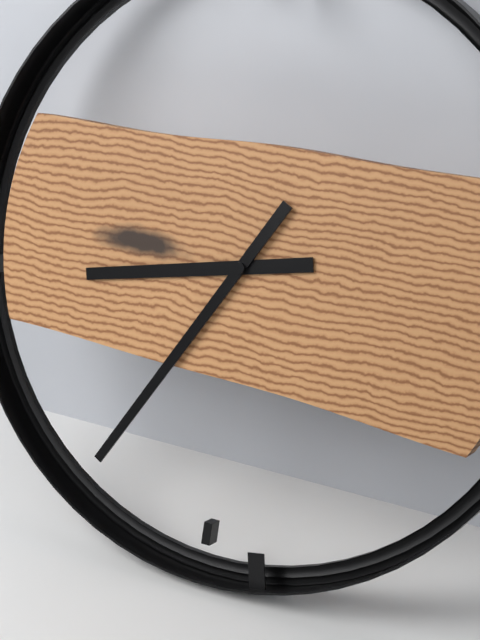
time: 8:35
